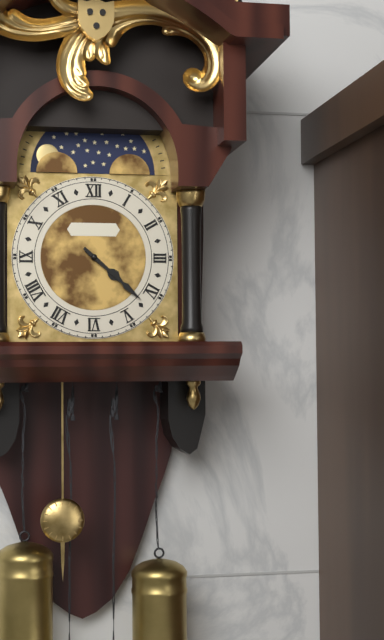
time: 4:22
